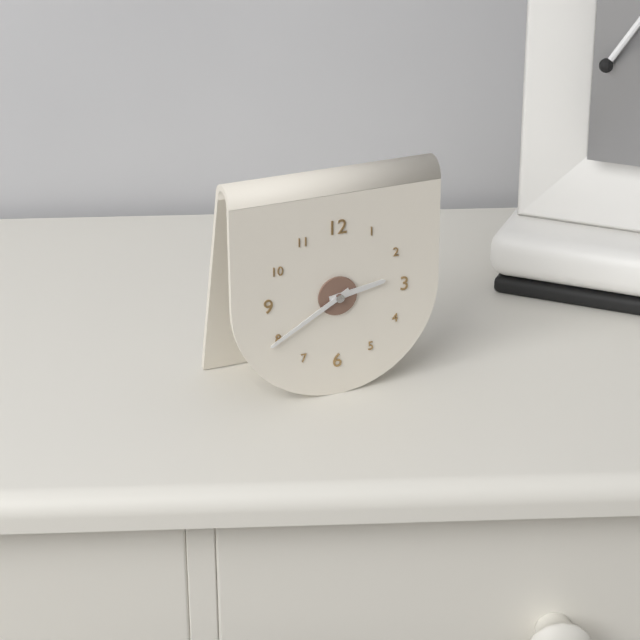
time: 2:40
